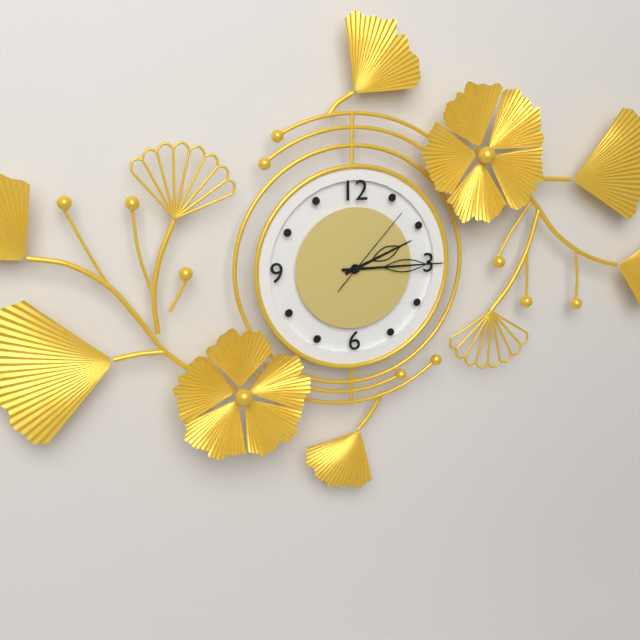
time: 2:15:07
